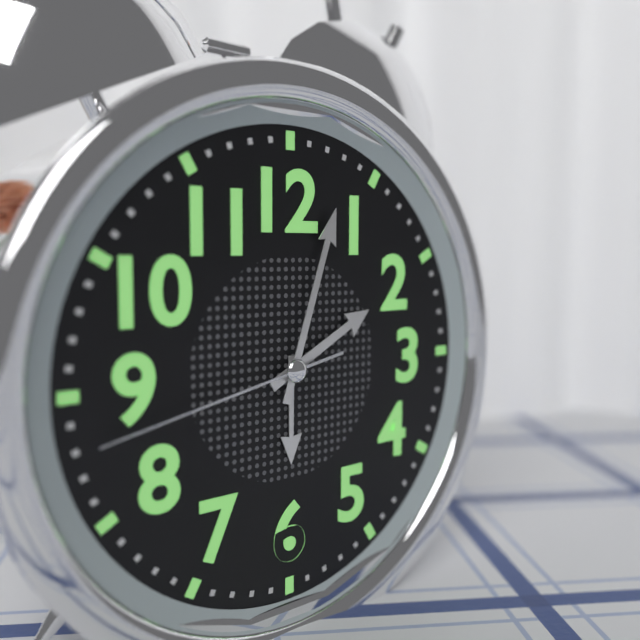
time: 2:03:43
